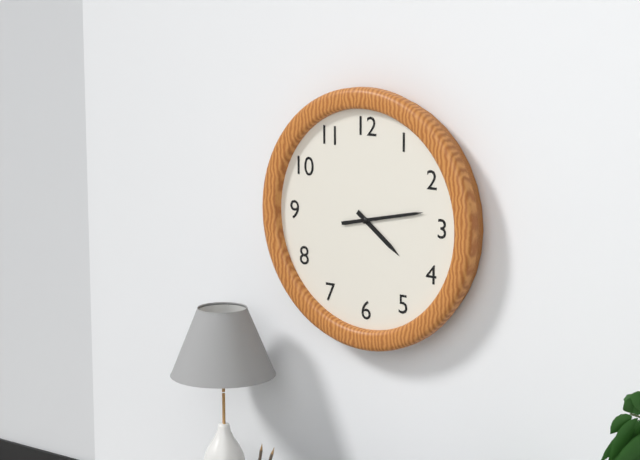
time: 4:13
